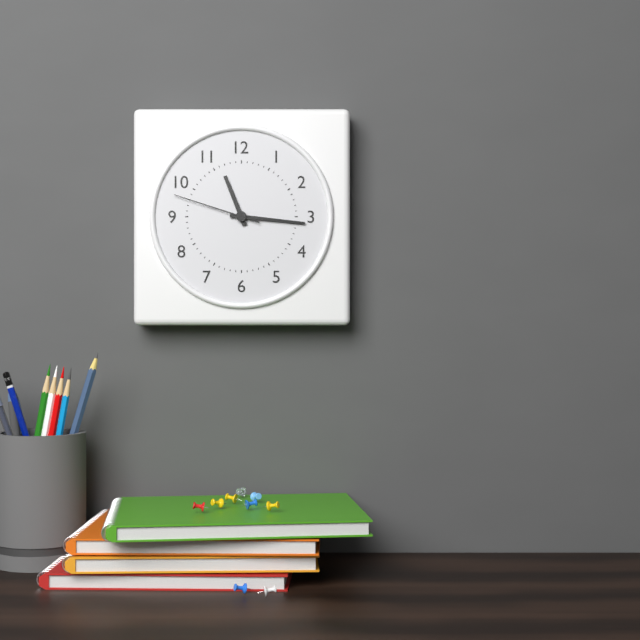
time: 11:16:48
